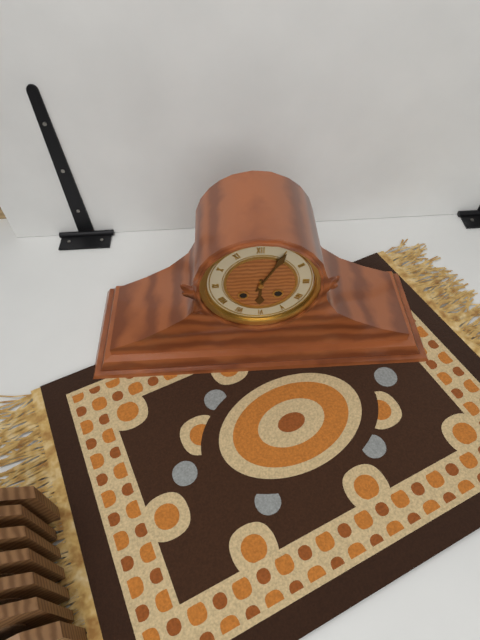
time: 6:05
